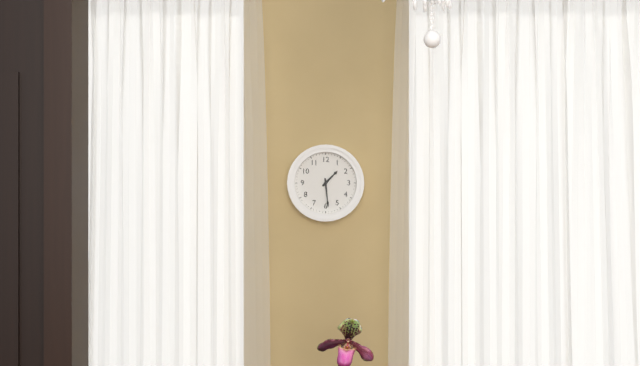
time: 1:29
